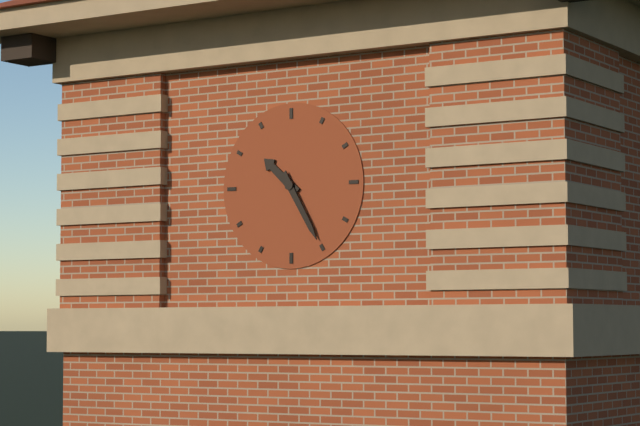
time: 10:25
